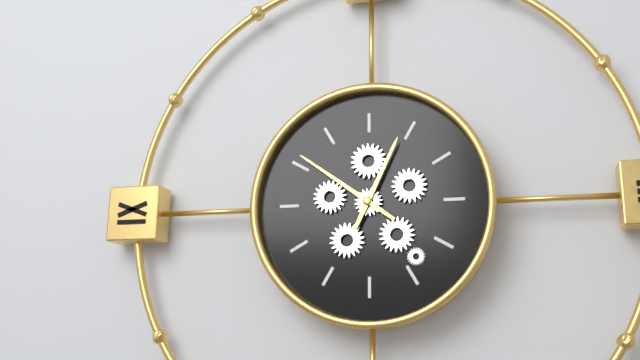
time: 12:51
